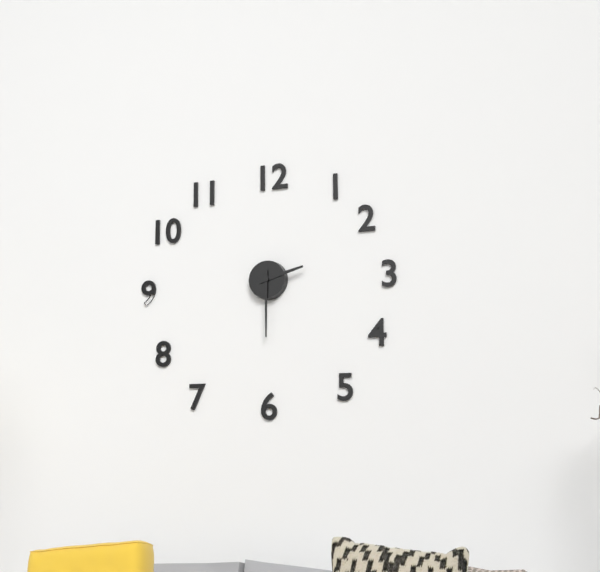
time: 2:30
